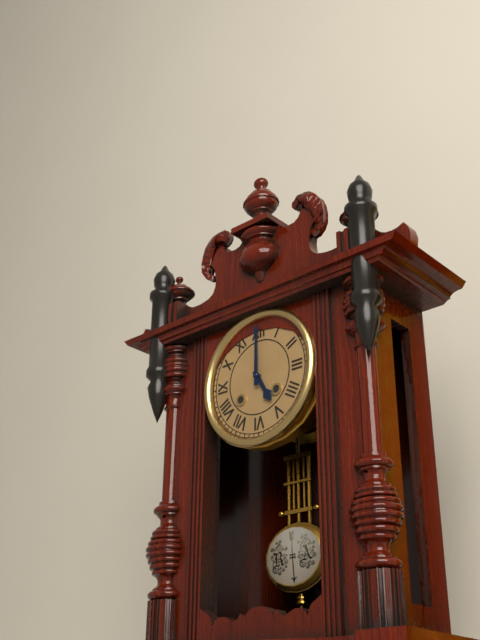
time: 5:00
